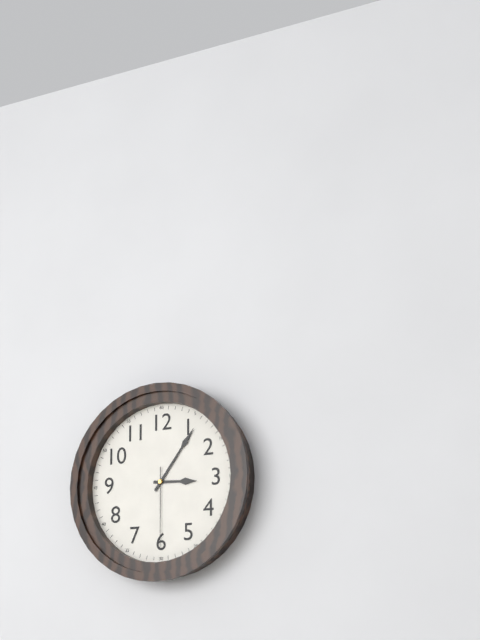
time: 3:06:30
